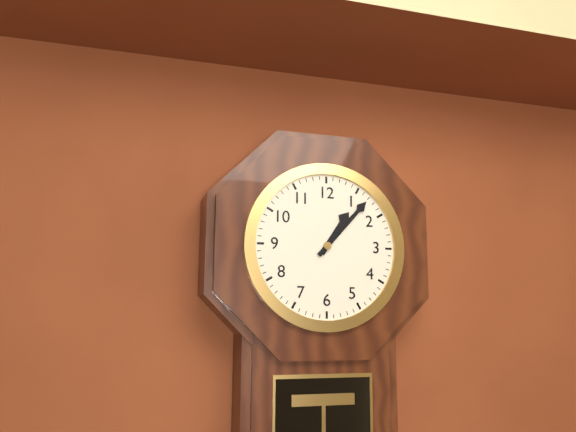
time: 1:07
